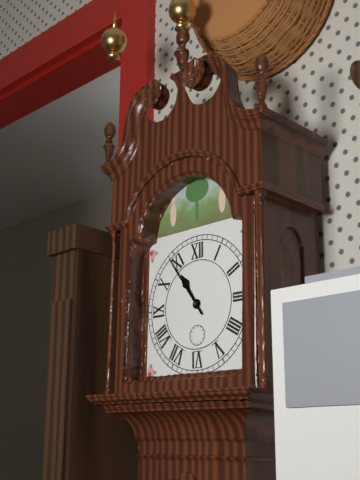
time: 10:54
